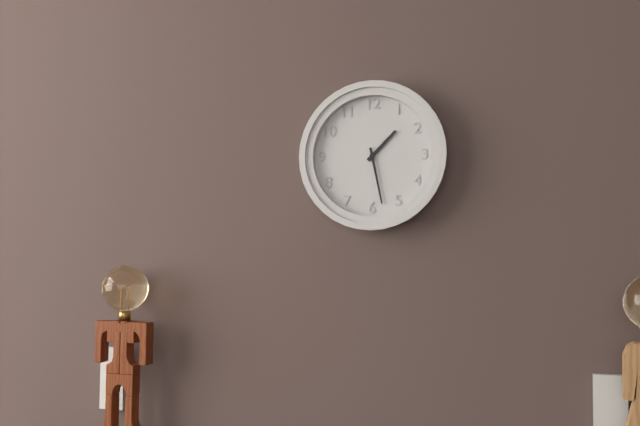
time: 1:28
